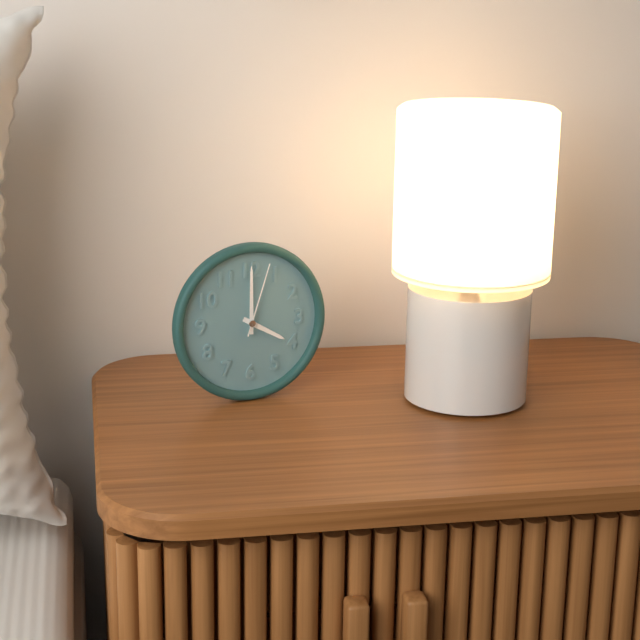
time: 4:00:03
